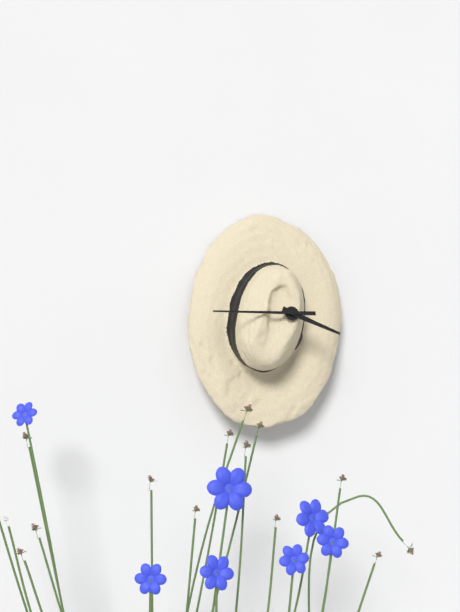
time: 3:45
